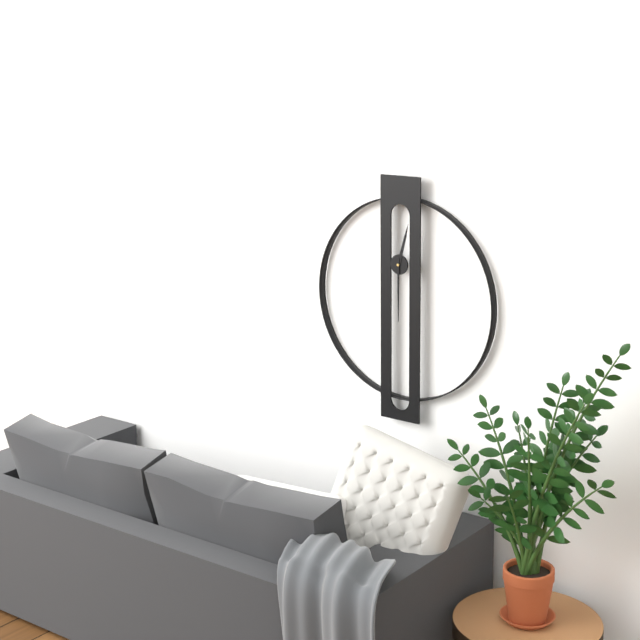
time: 12:30
